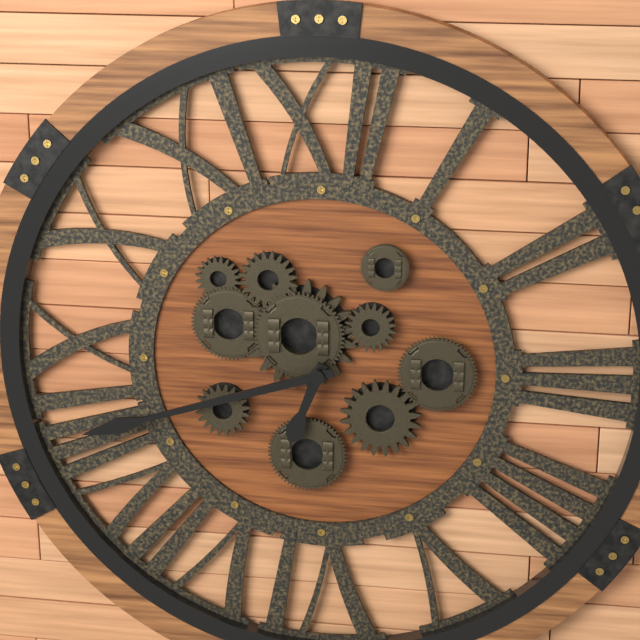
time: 6:42
